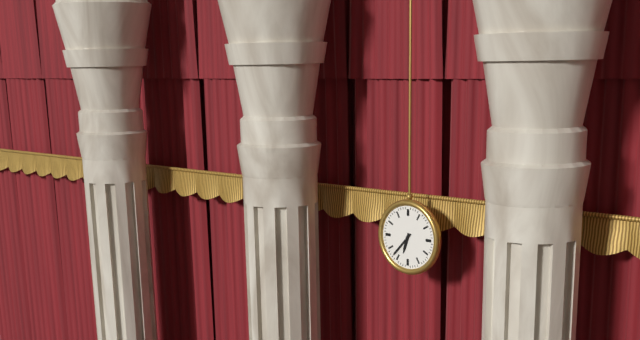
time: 6:37
